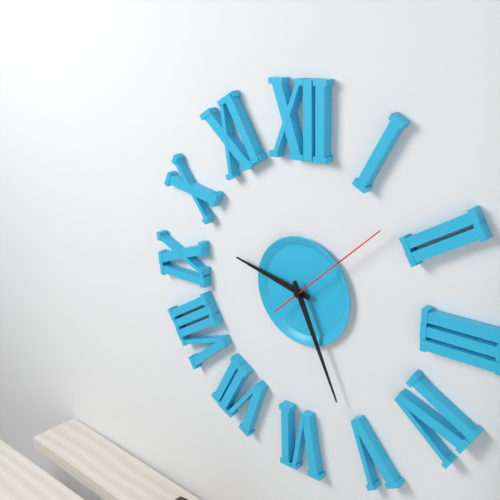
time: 9:26:08
